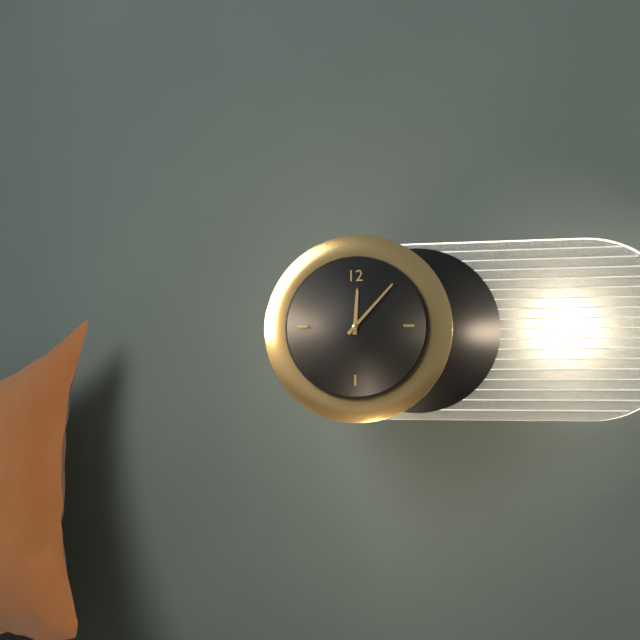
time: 12:07
